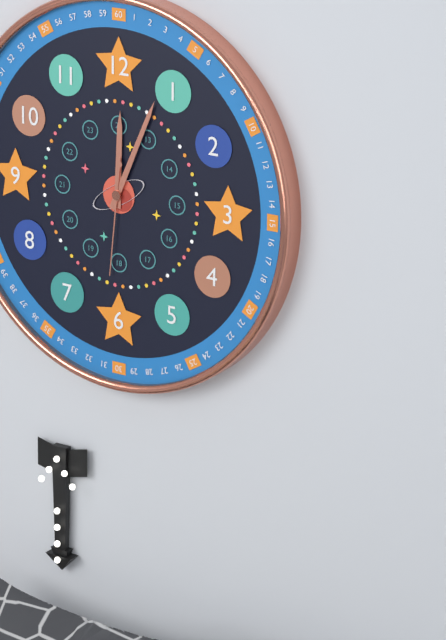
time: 12:04:31
